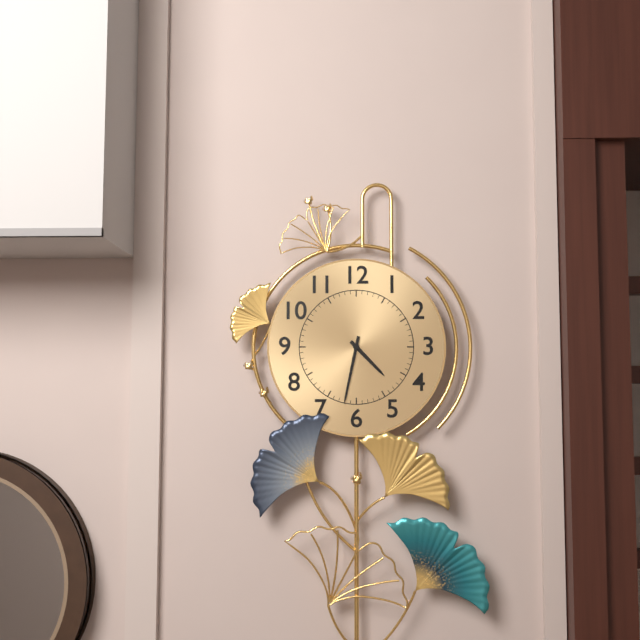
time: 4:32
